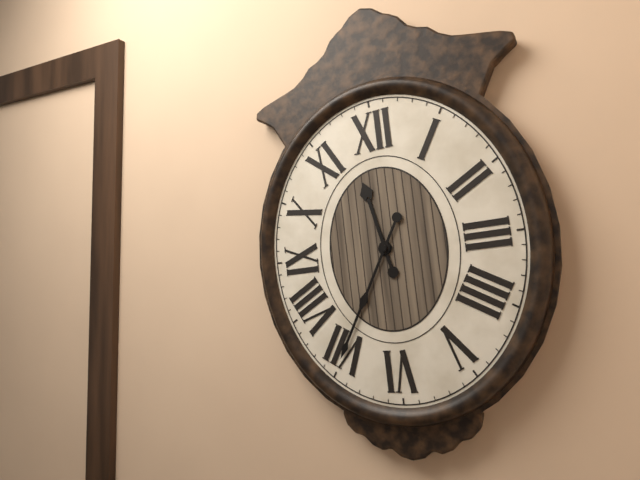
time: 11:35
